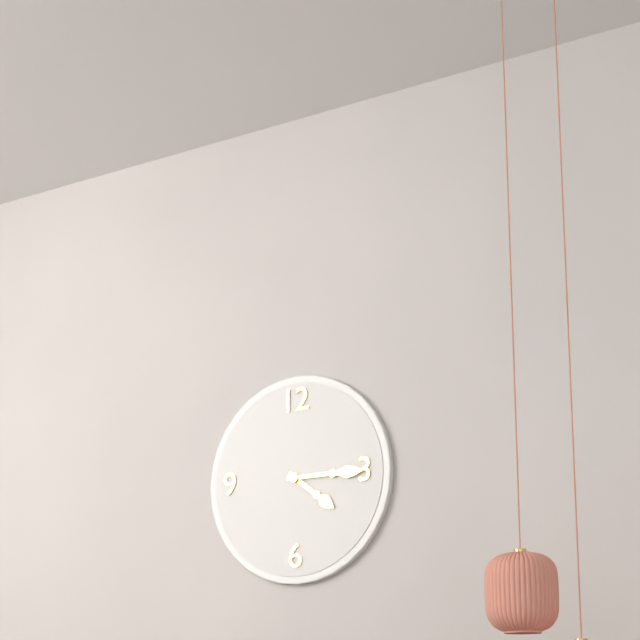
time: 4:15
